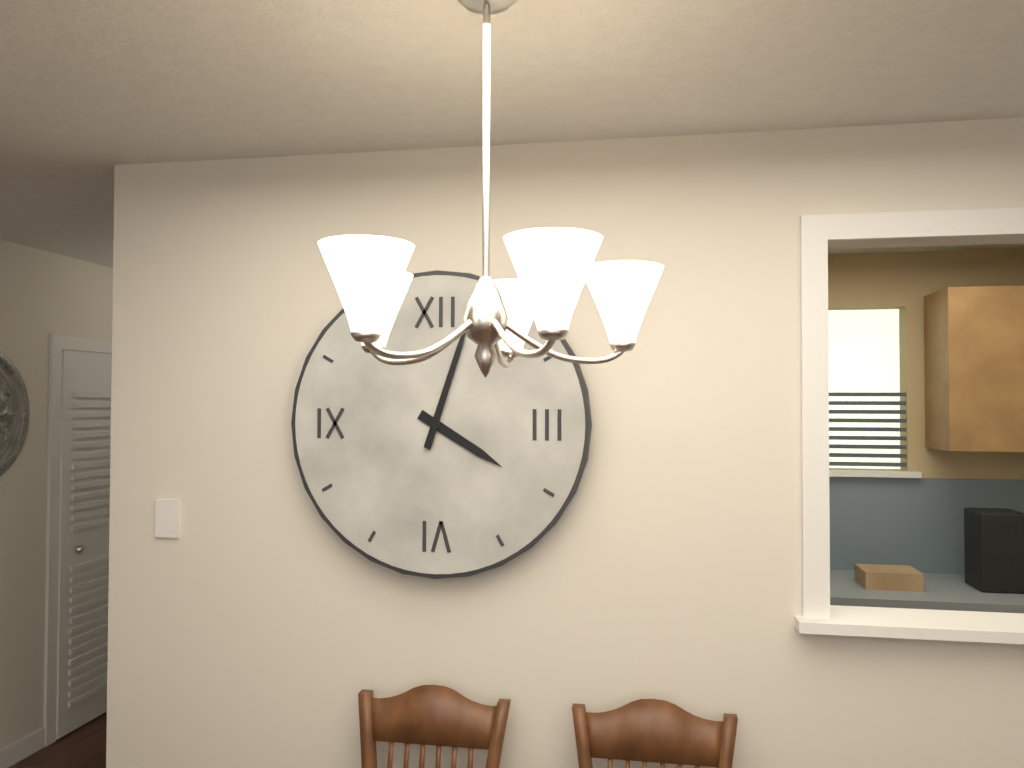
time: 4:03
